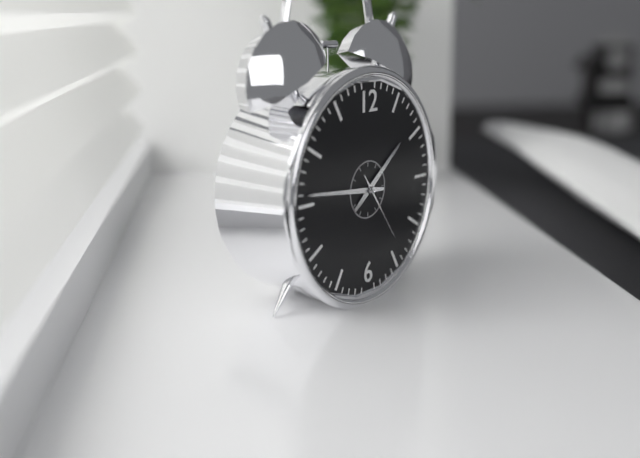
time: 1:46:24
